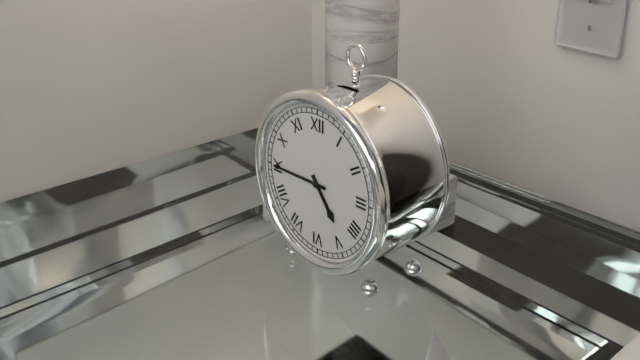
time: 4:45
